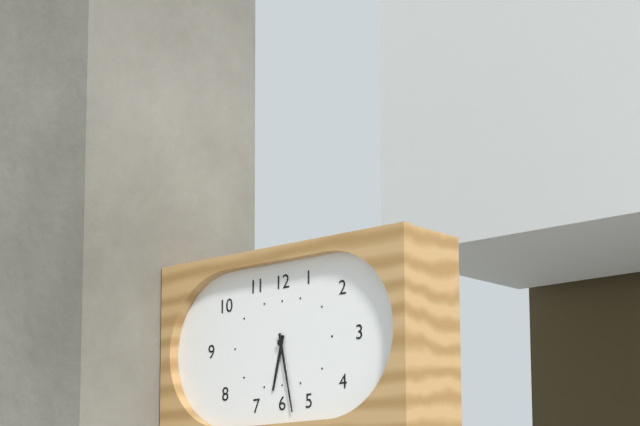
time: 6:28
